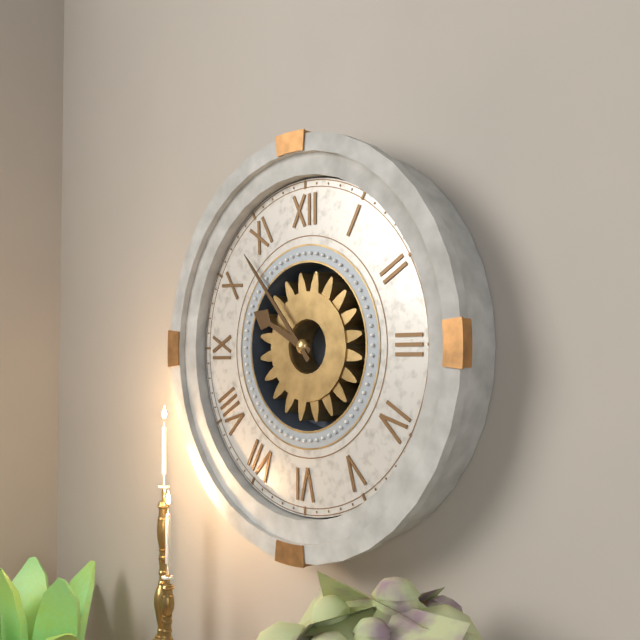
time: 9:53
